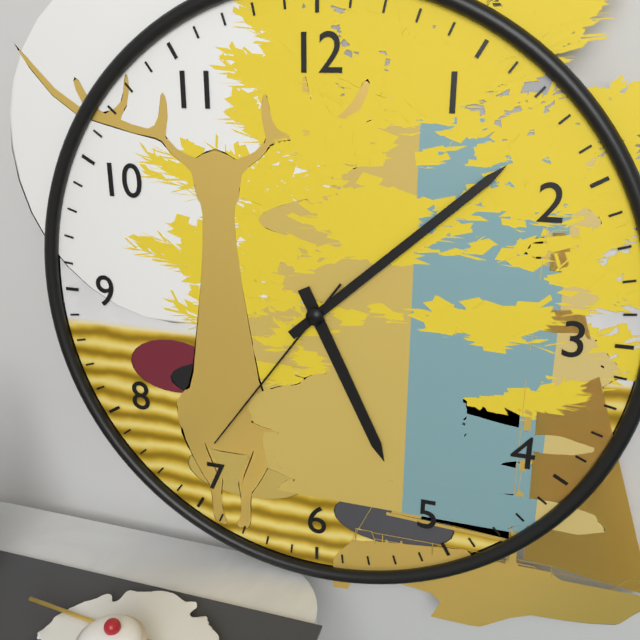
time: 5:08:36
